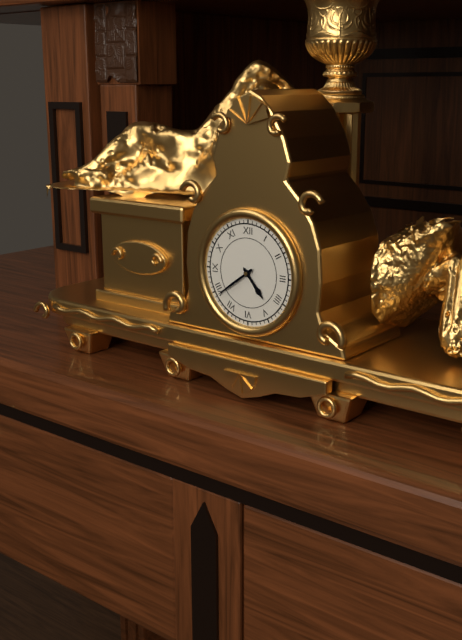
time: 4:39
